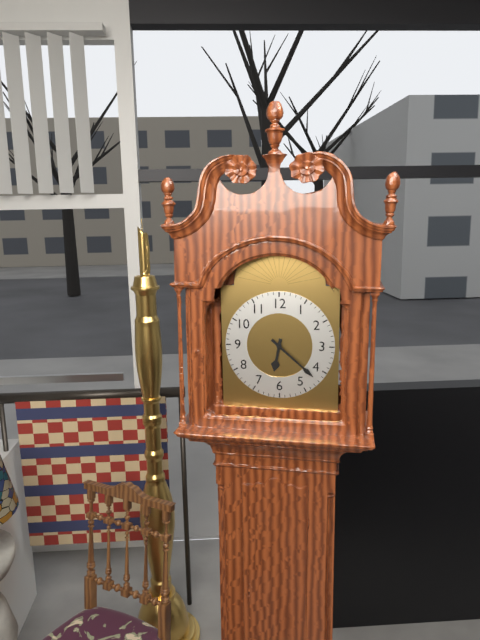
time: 6:22
